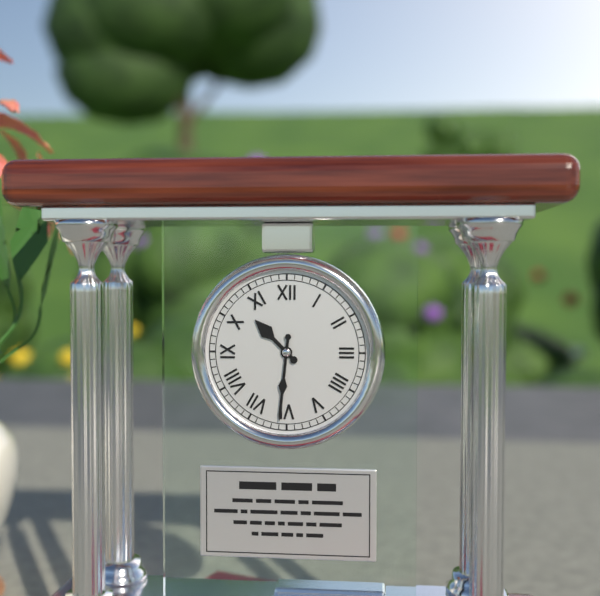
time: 10:31
